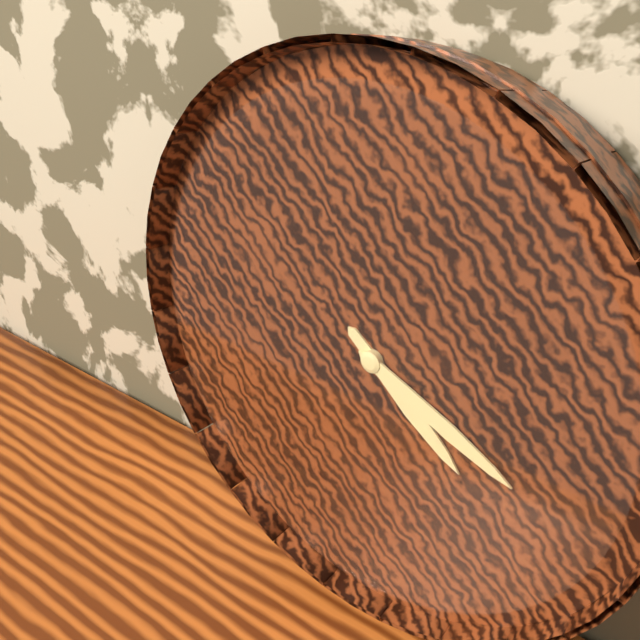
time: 4:19
